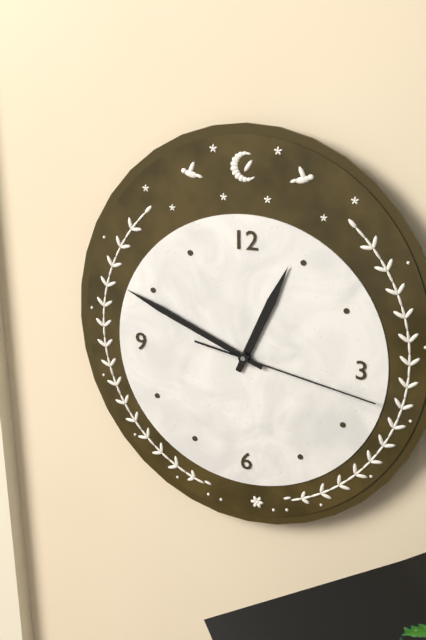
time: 12:49:17
